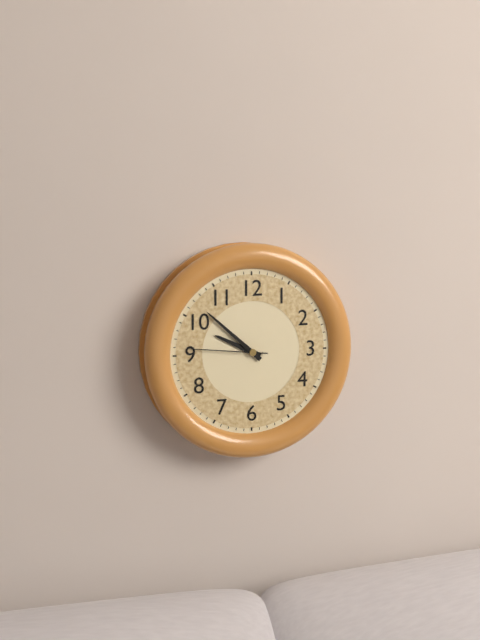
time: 9:52:46
